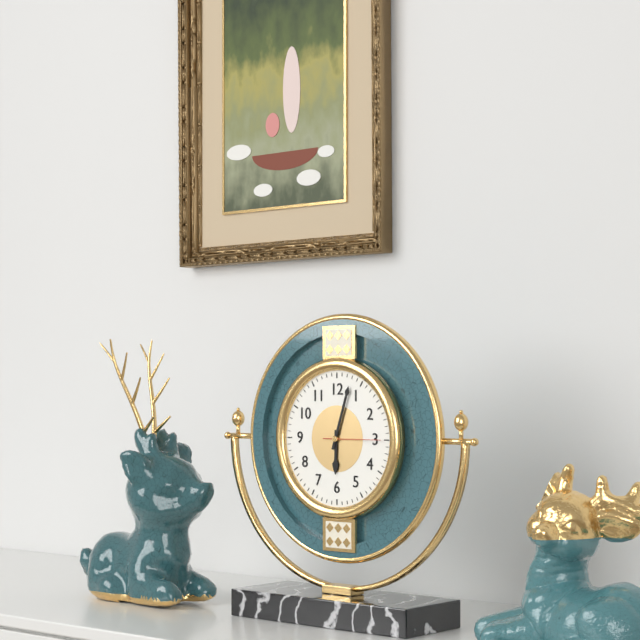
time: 6:03
